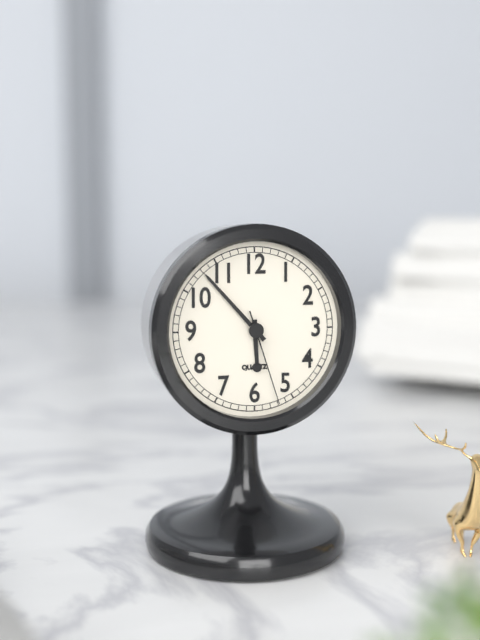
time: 5:53:27
